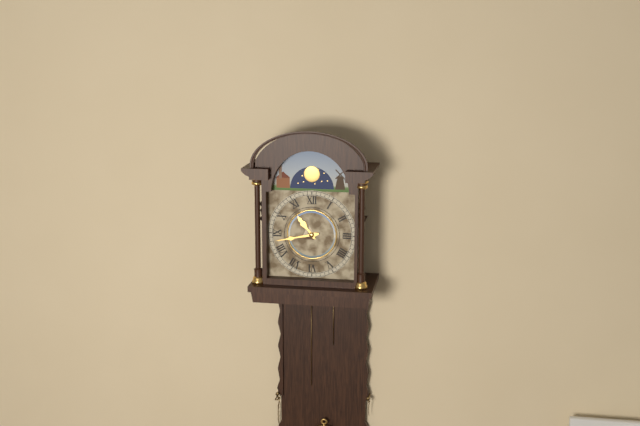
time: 10:43
